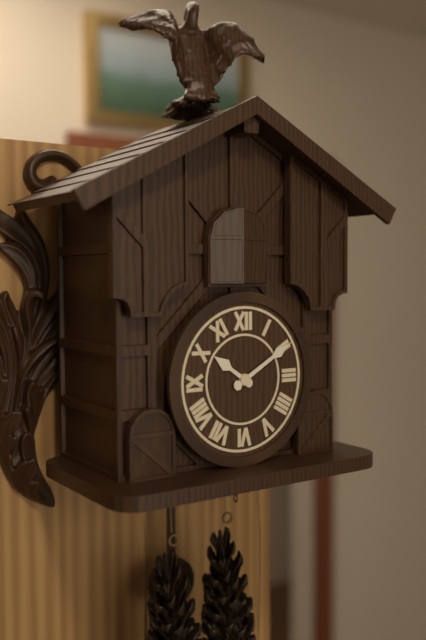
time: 10:10
